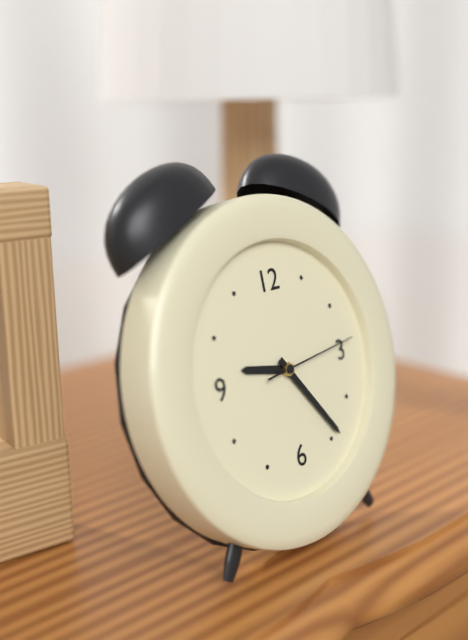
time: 9:24:14
